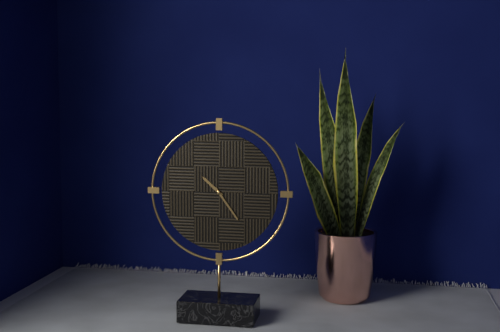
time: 10:24
